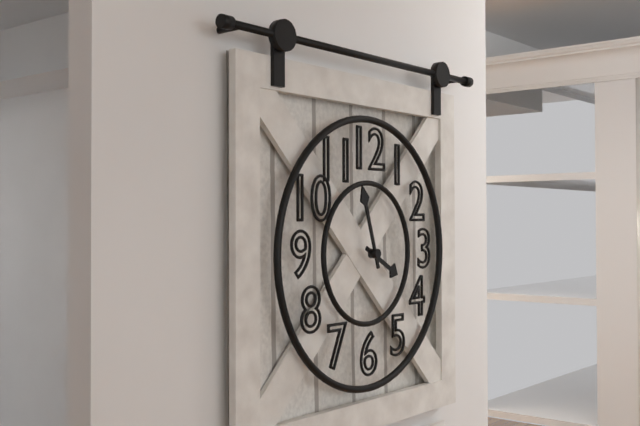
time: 3:57
